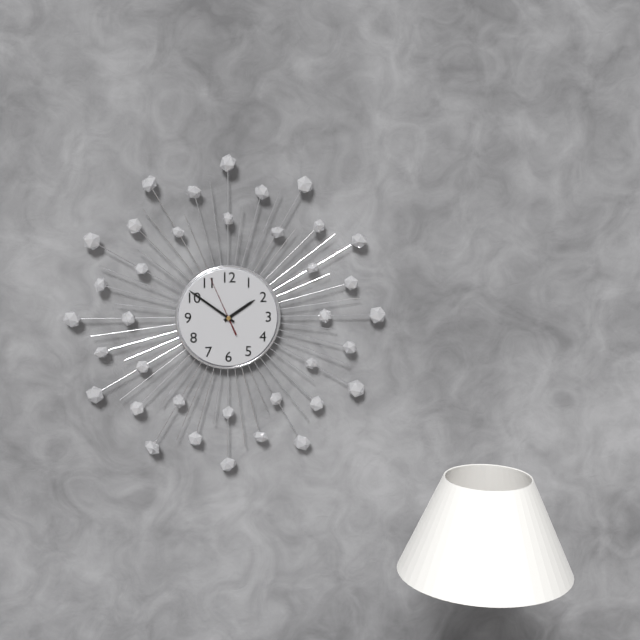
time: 1:51:56
